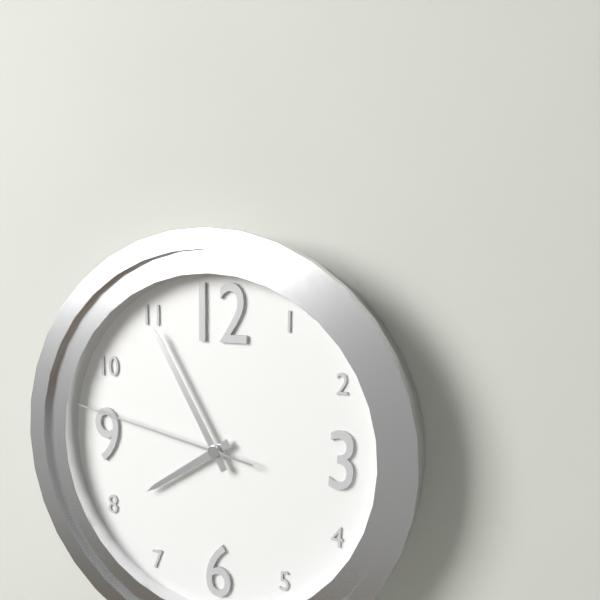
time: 7:55:47
